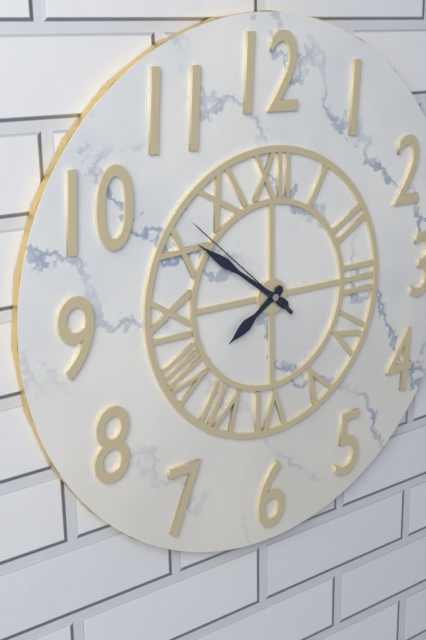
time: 7:51:52
